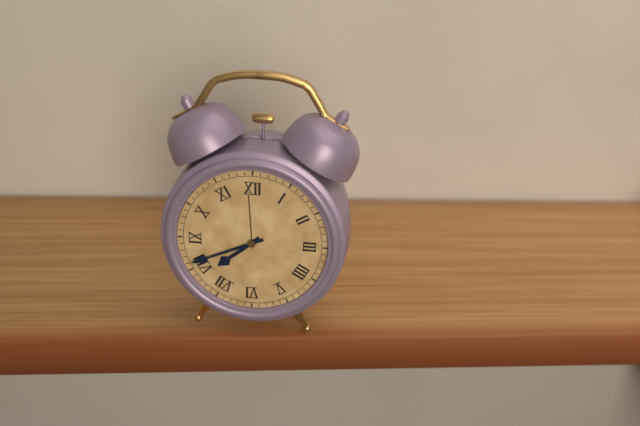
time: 7:41
